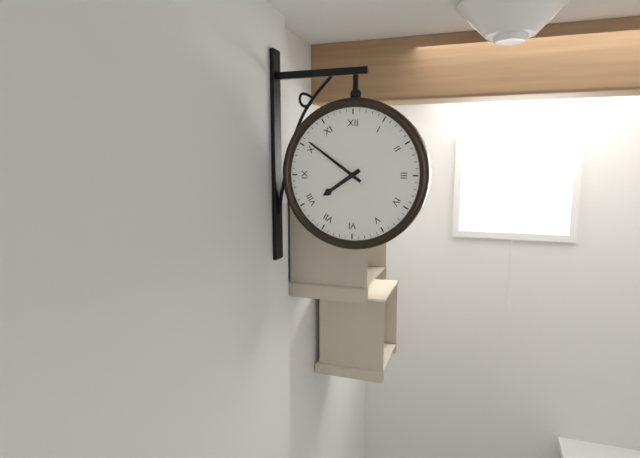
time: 7:51
